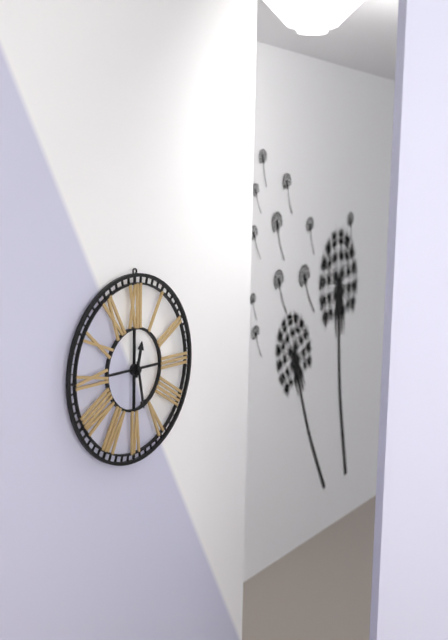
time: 12:28
